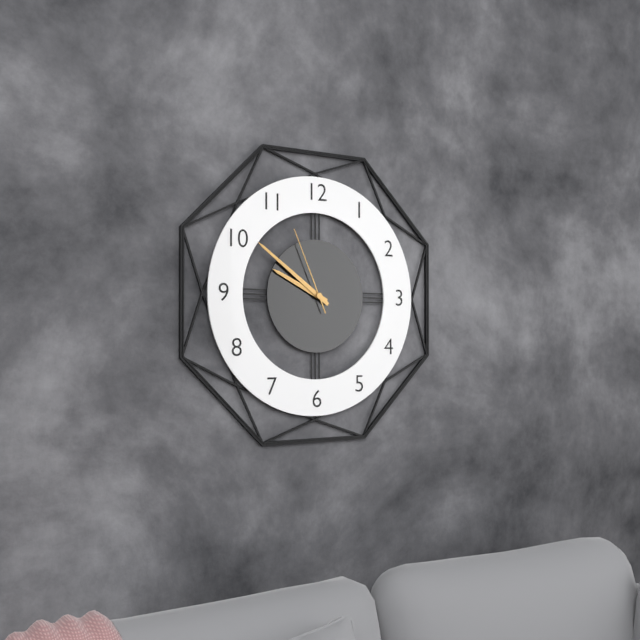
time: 9:51:56
